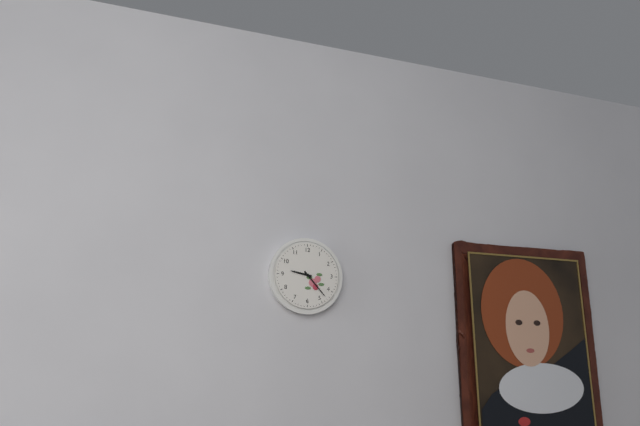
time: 9:23
